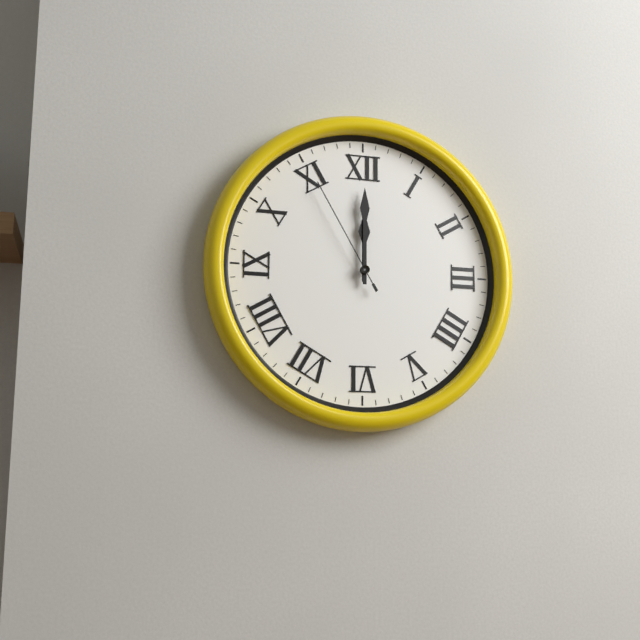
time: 12:00:55
